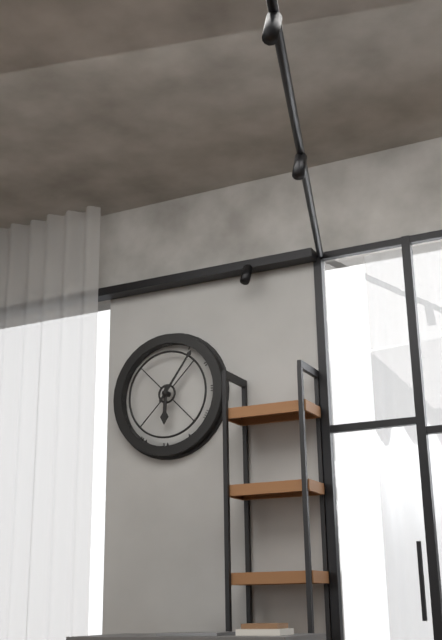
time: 6:06
